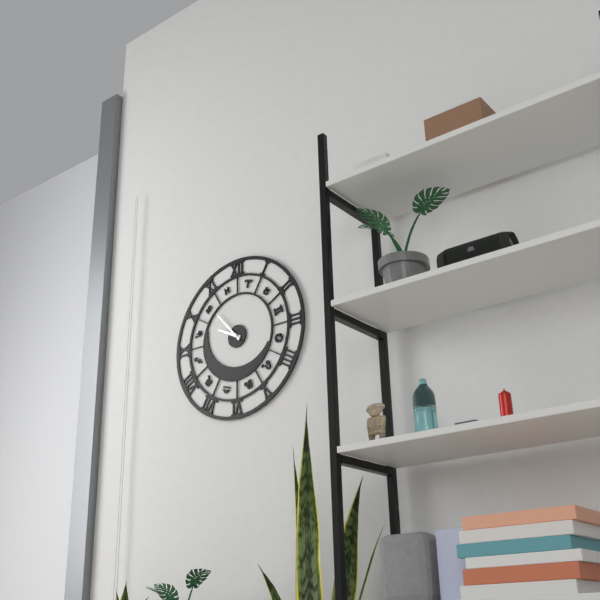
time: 9:53
